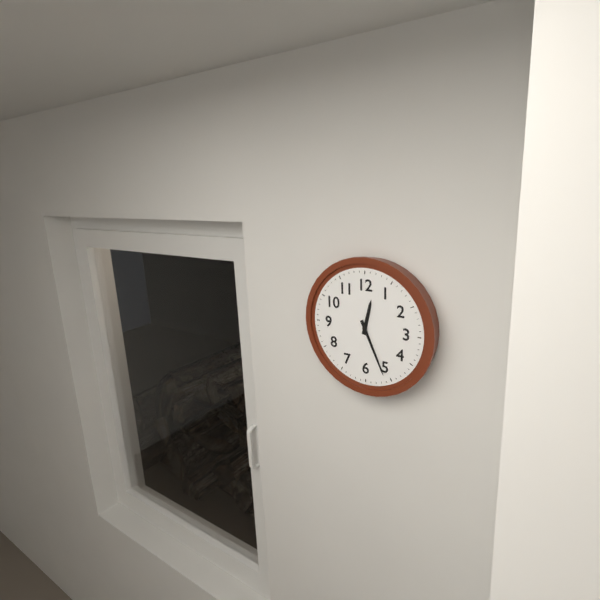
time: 12:26
